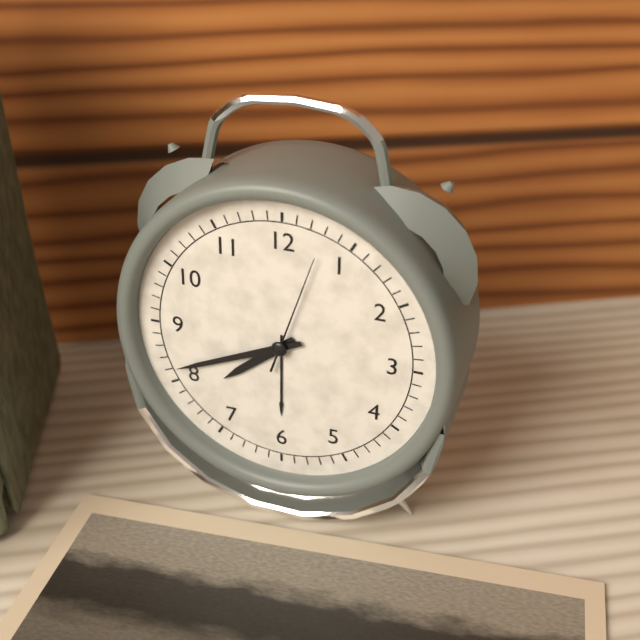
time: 7:41:03
